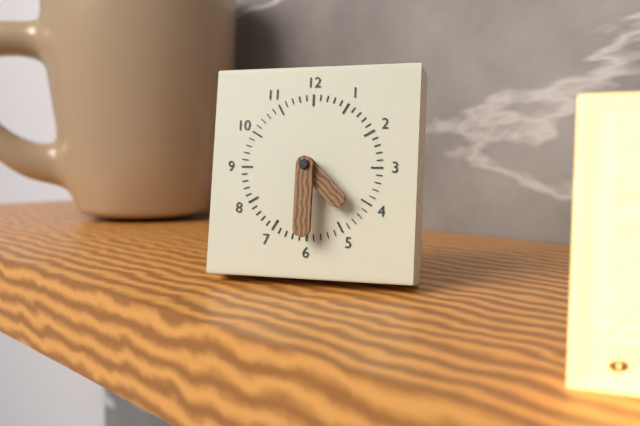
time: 4:30
